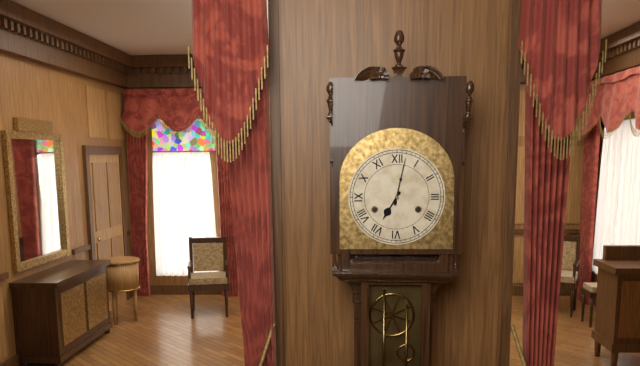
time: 7:02
